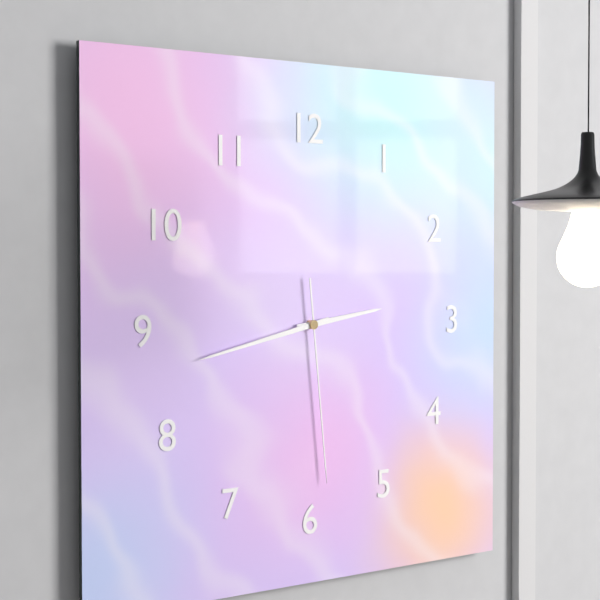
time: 2:43:29
